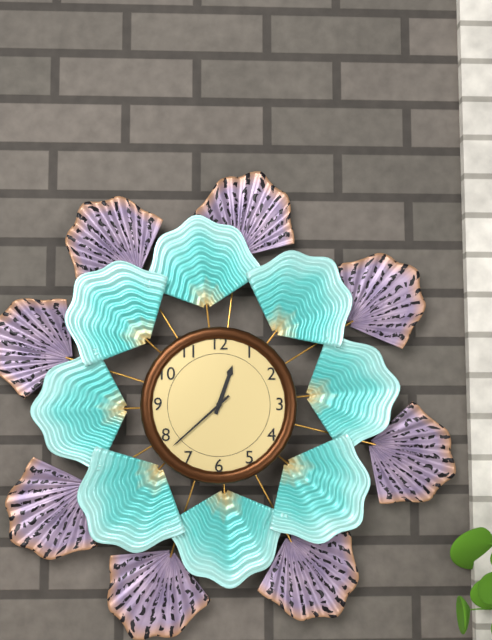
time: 12:38
